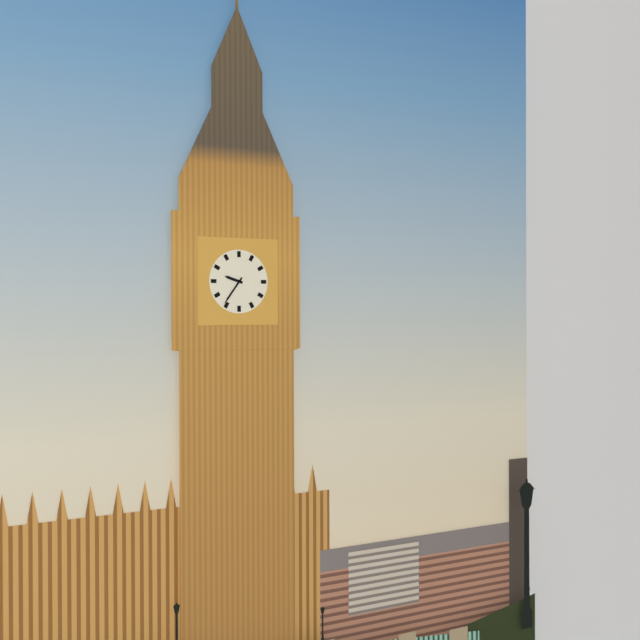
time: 9:36
